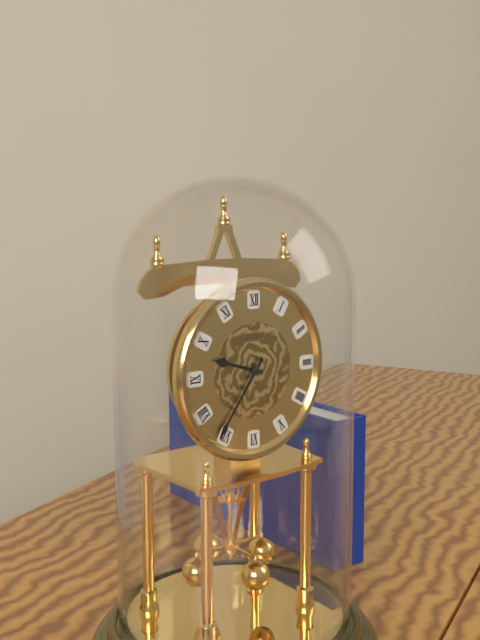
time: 9:36
